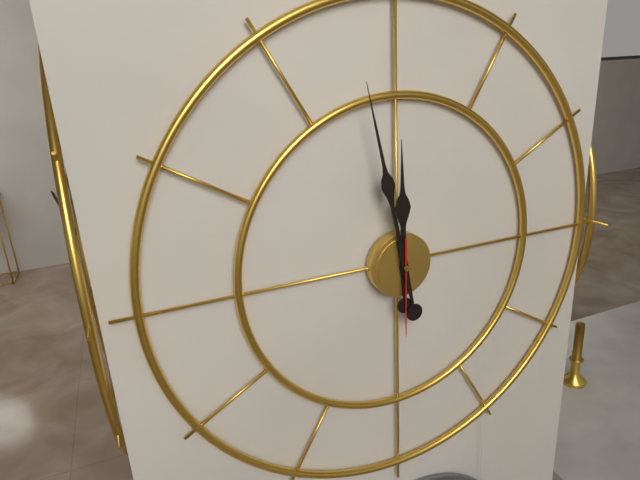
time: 11:58:30
